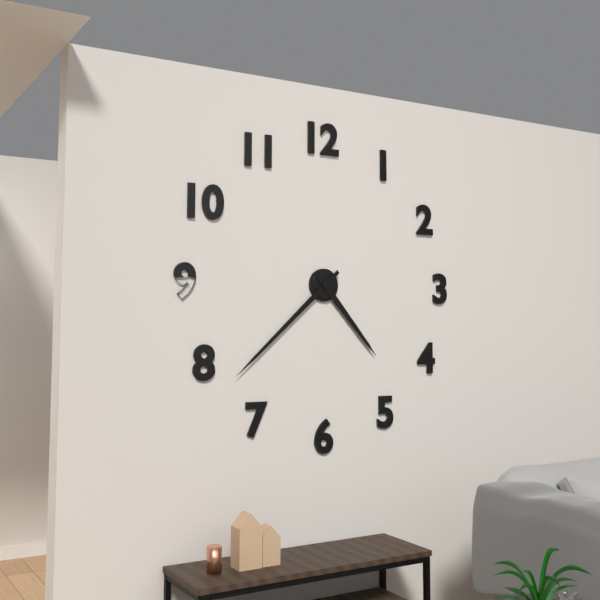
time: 4:38
